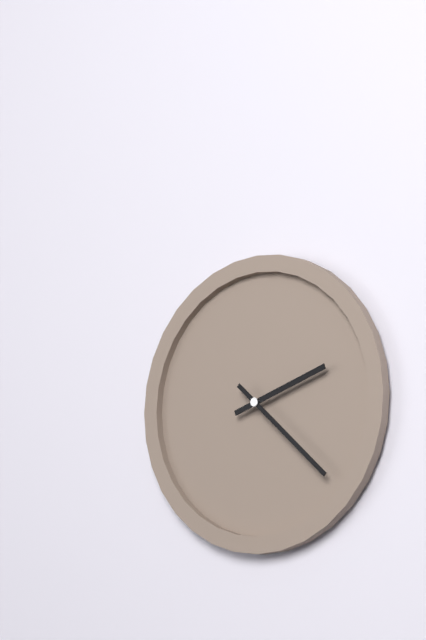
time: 2:22
